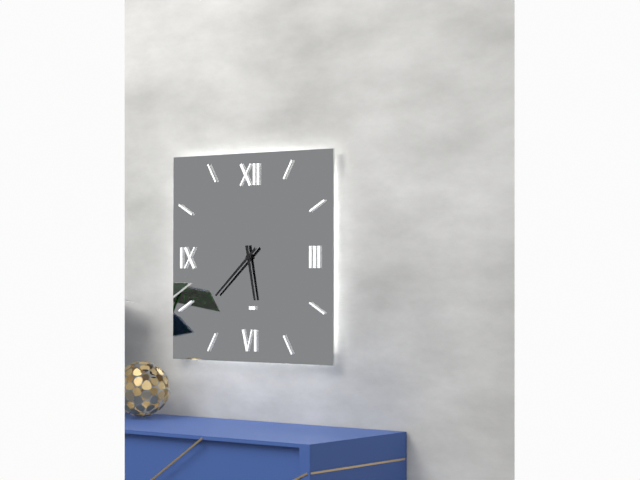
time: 5:38
